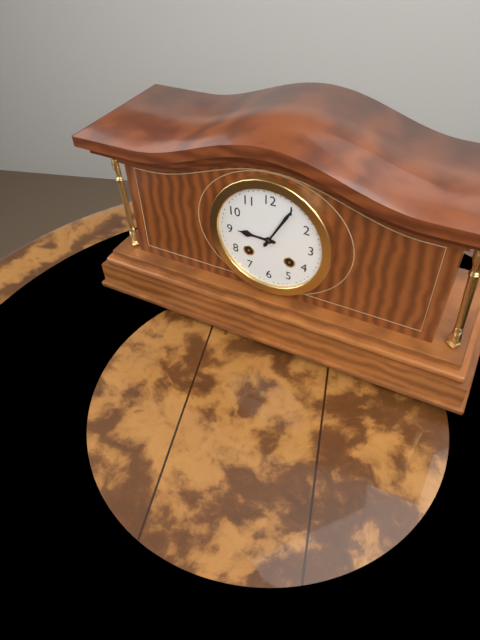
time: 9:05
